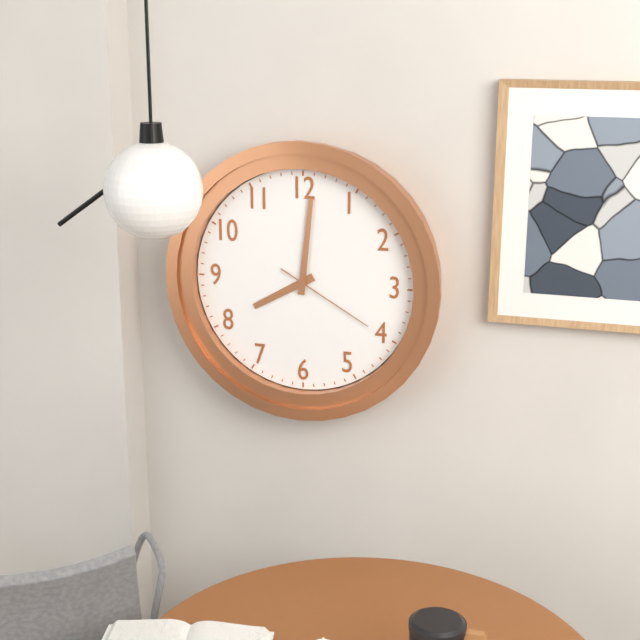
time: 8:01:20
